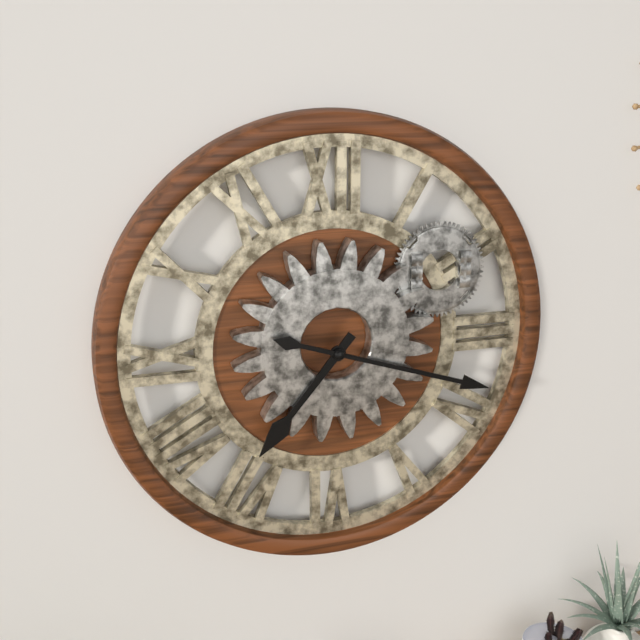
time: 7:18
